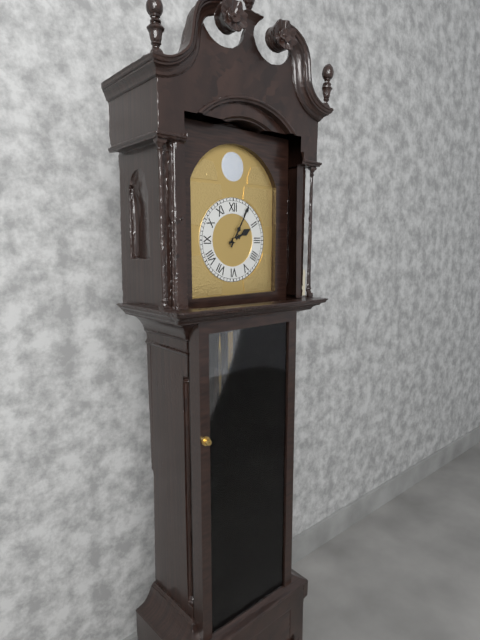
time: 2:05
